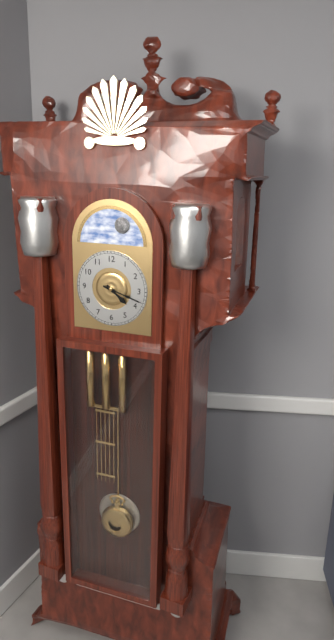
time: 4:18
